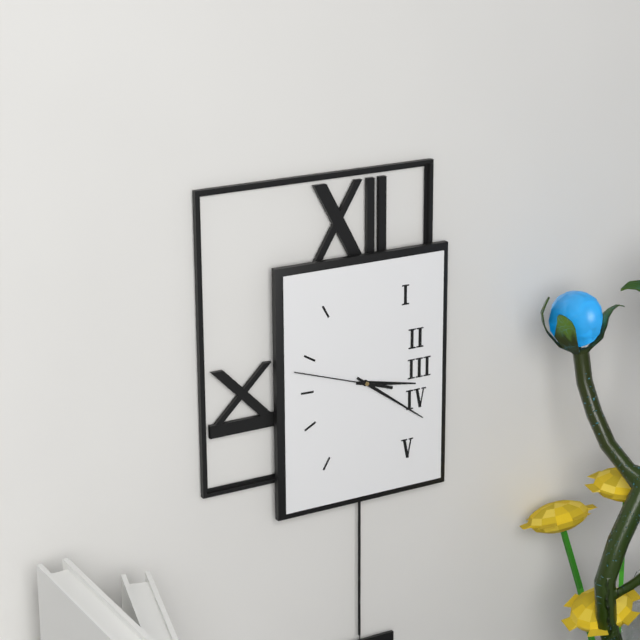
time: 3:21:48
